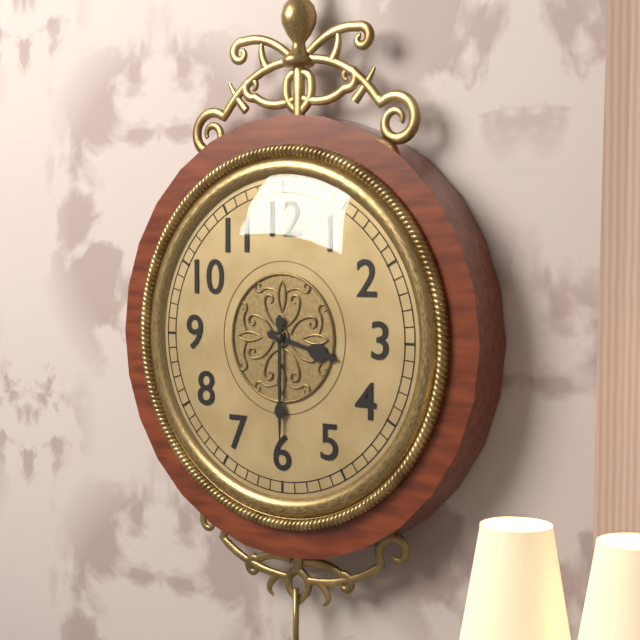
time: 3:30
